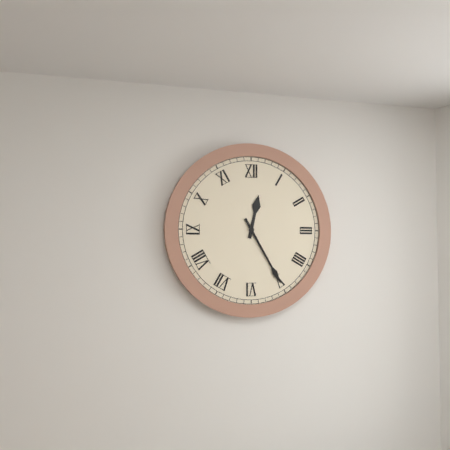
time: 12:25
